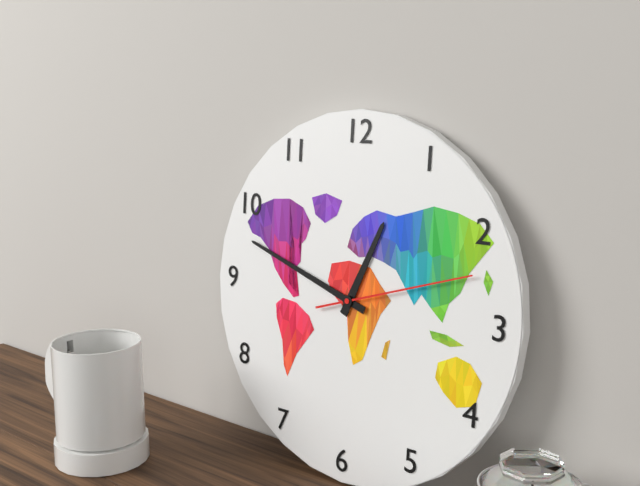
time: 12:48:12
